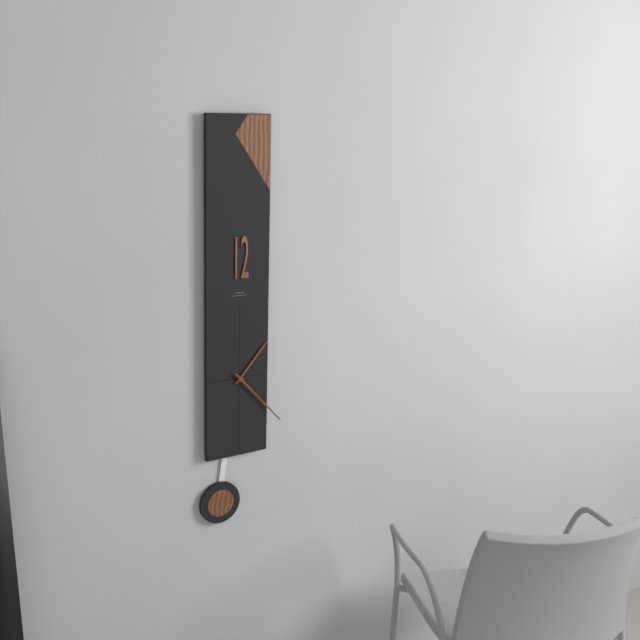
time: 1:23
